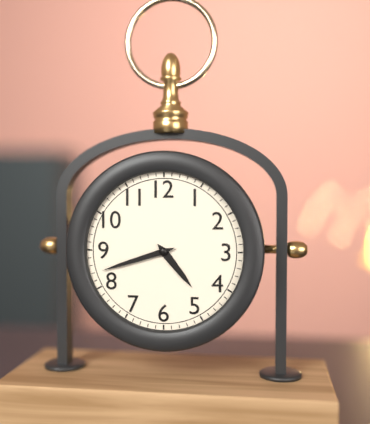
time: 4:42
